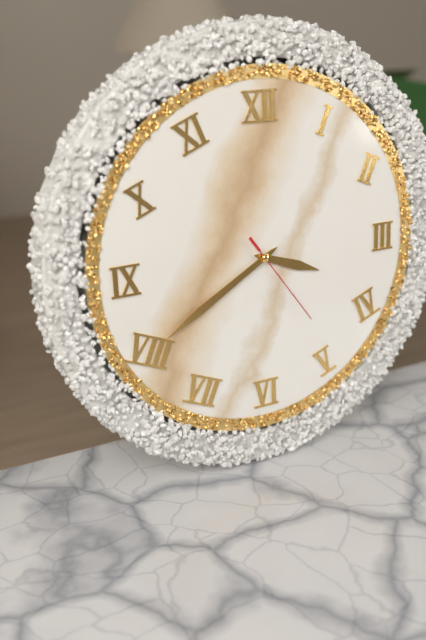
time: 3:40:24
